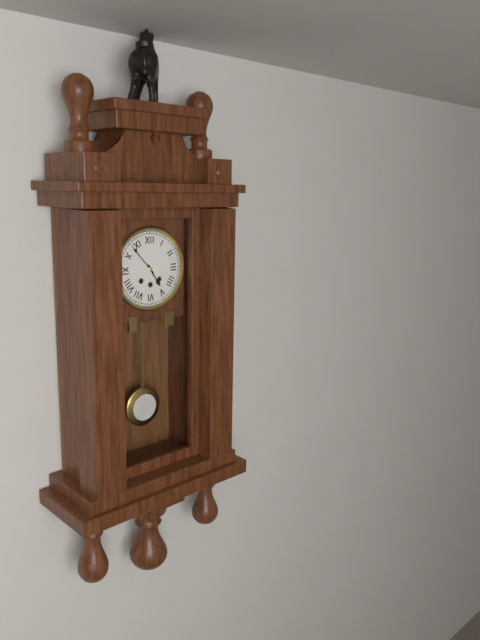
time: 4:53
